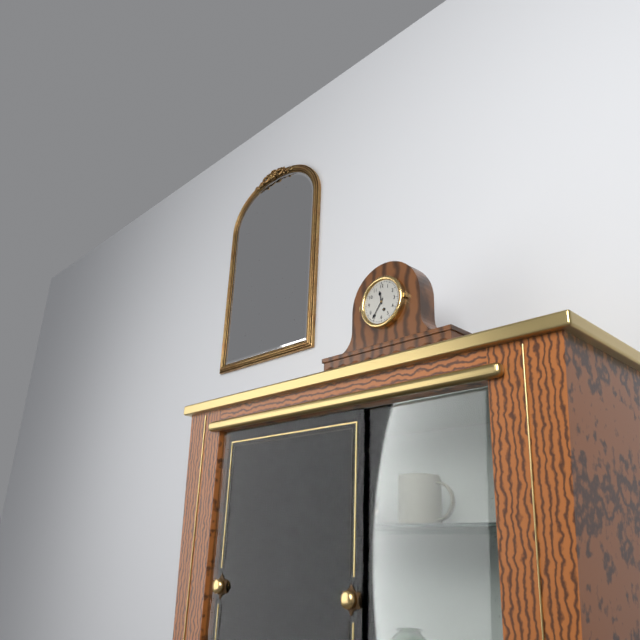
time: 11:36
